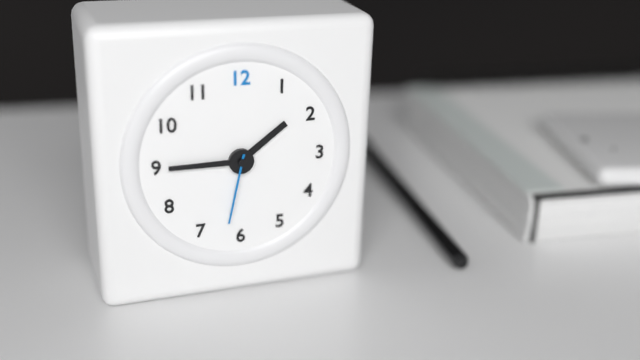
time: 1:45:32
